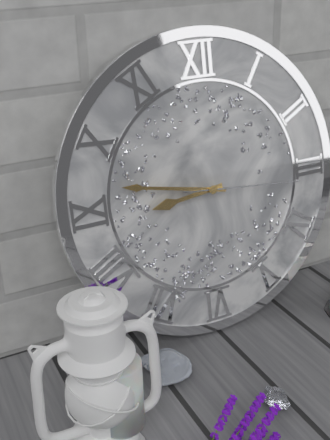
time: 8:47:16
